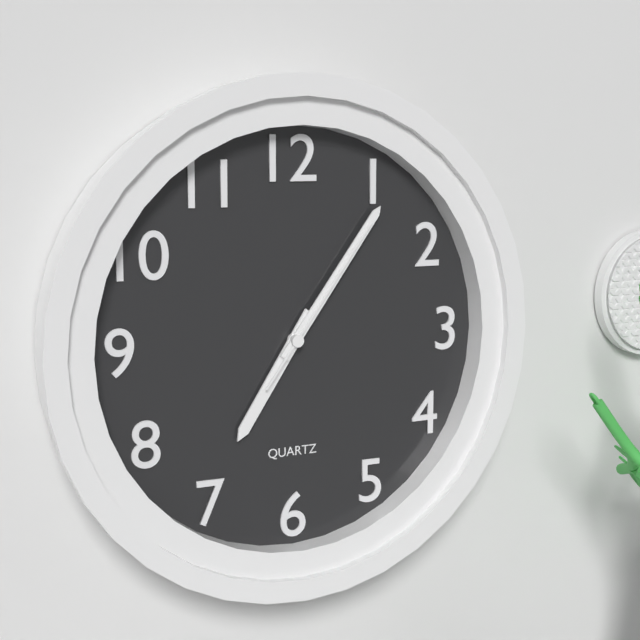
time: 7:06:06
